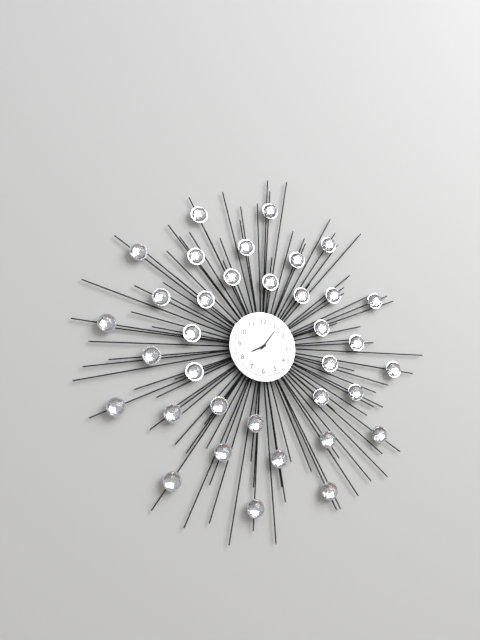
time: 8:06
